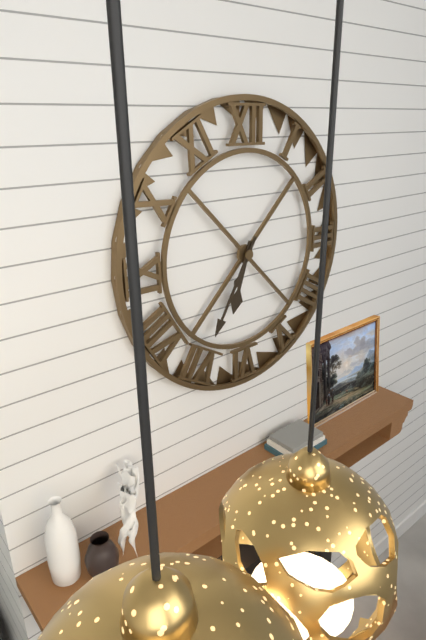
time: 6:35
